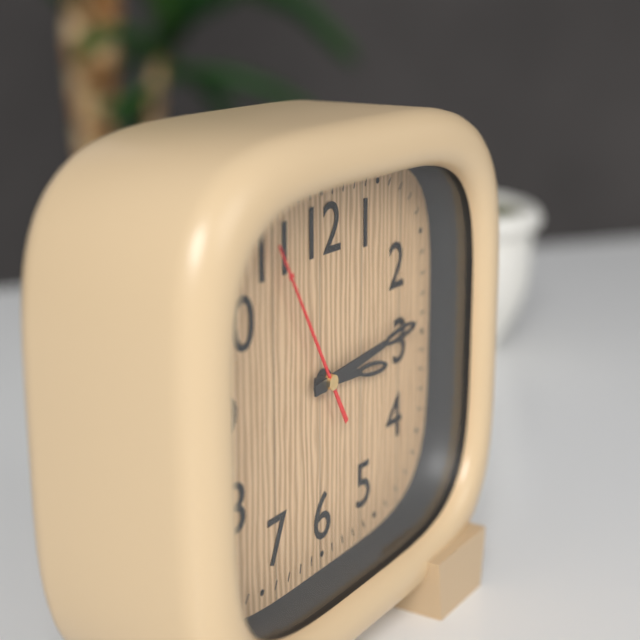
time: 3:14:55
